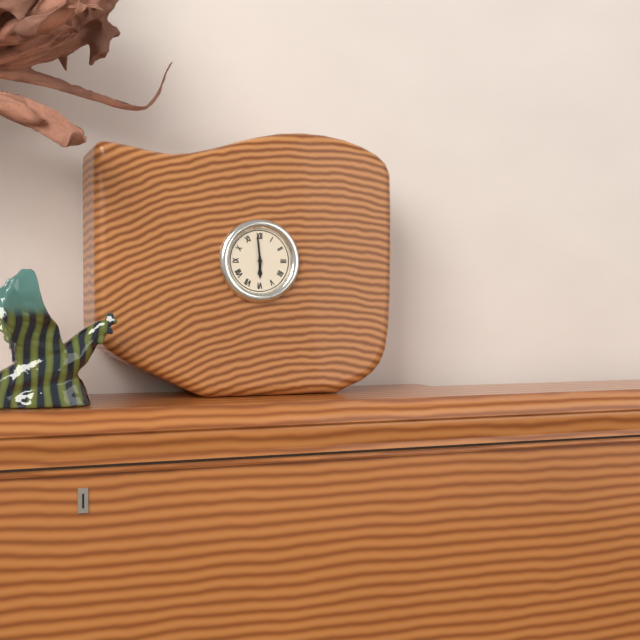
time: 5:59
